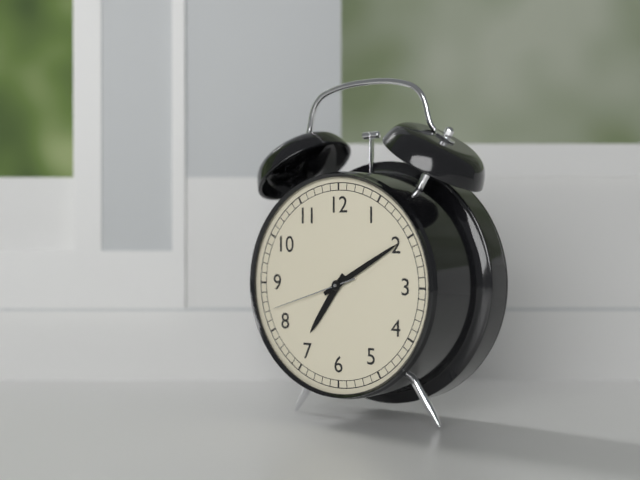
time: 7:10:42
